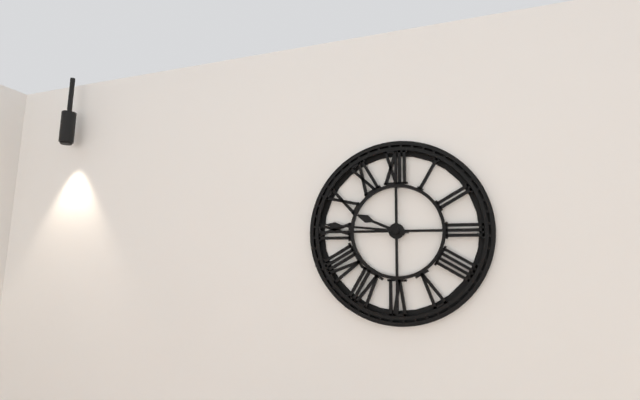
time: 9:46
